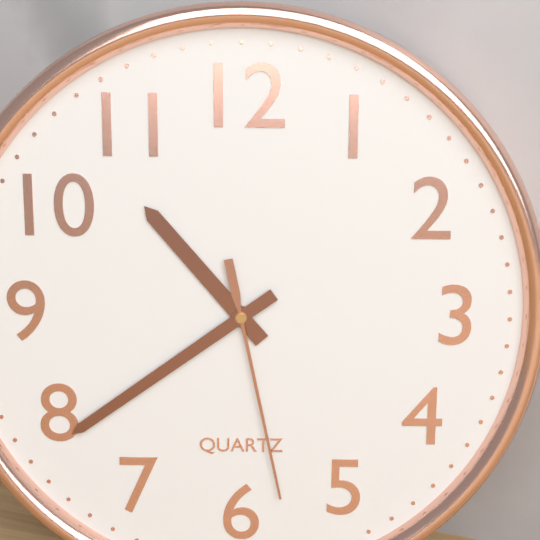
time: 10:39:28
